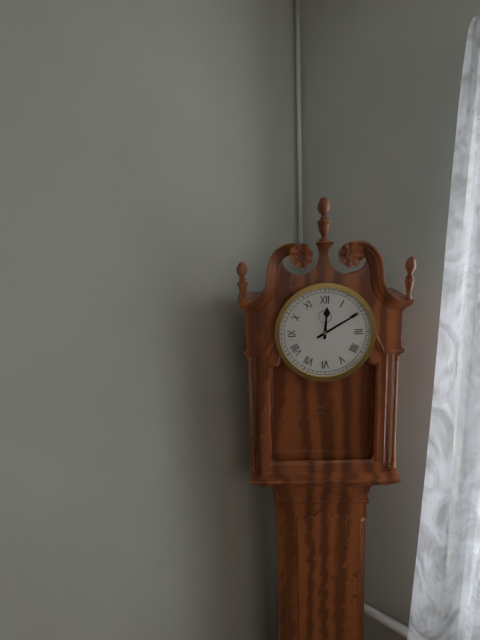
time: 12:10
